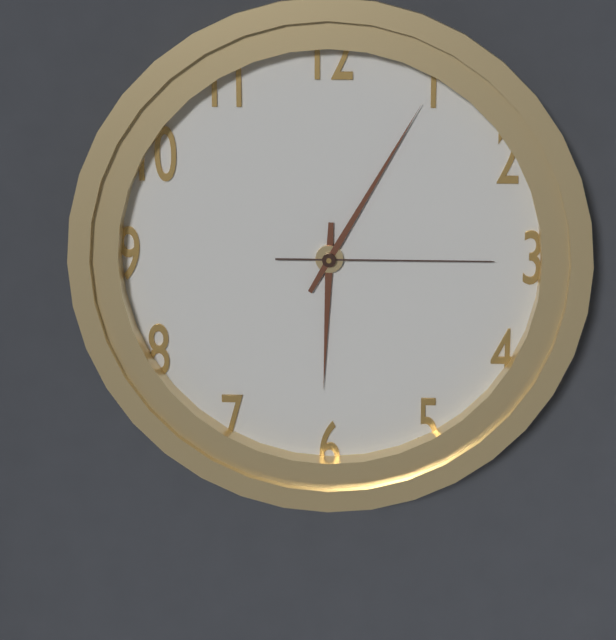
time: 6:05:15
